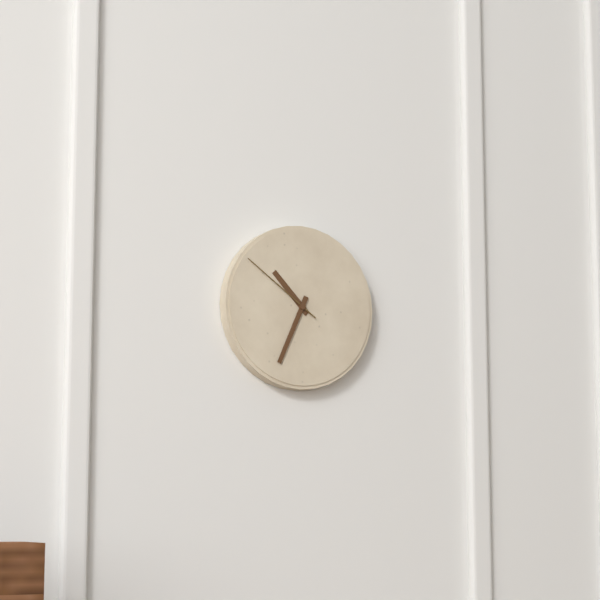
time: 10:34:51
